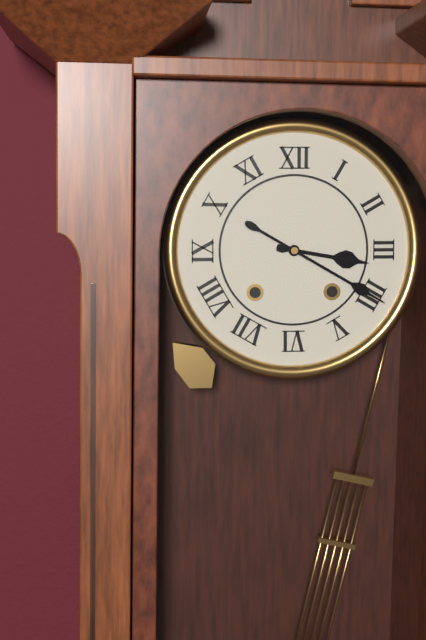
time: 3:20
